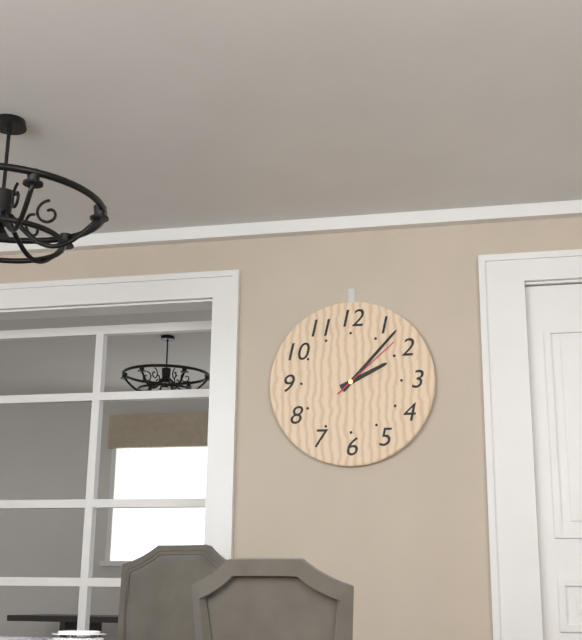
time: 2:07:08
